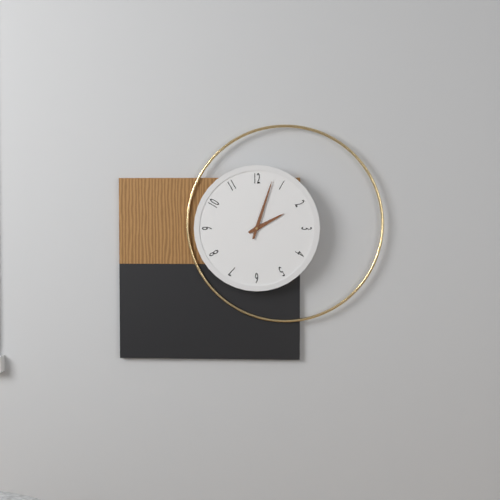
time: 2:03
